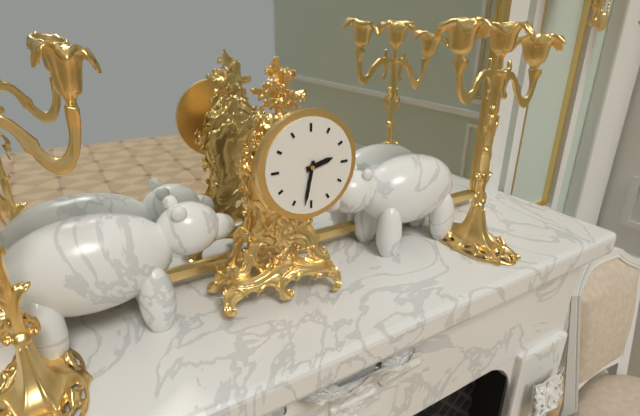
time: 2:32
